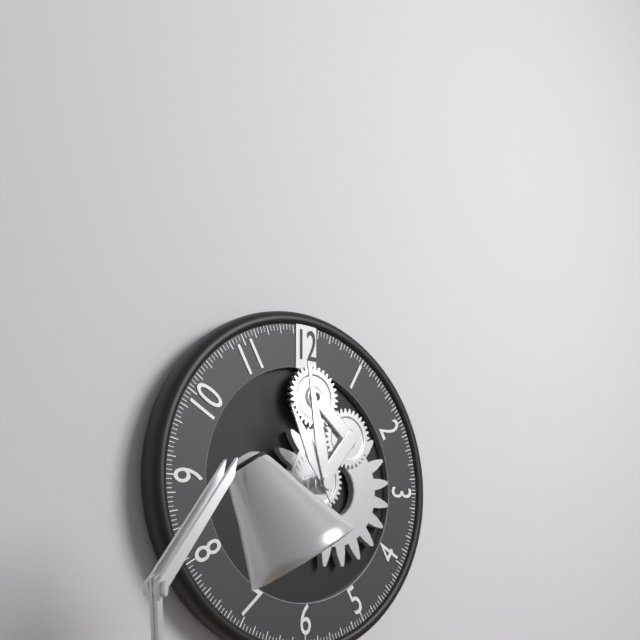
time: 10:58
